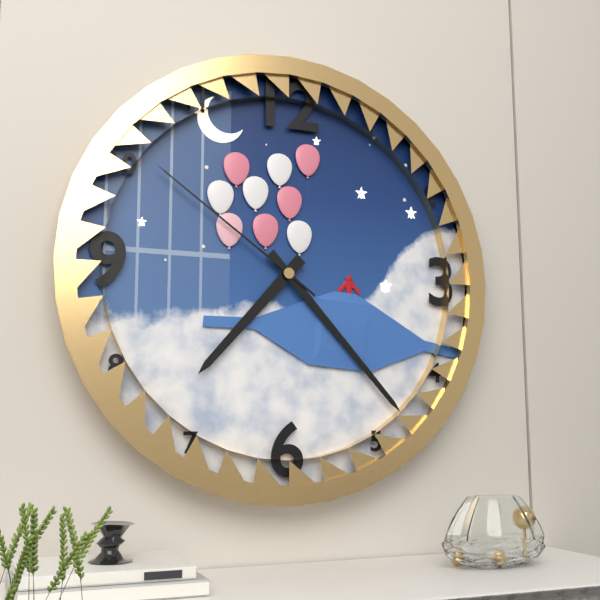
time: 7:23:51
